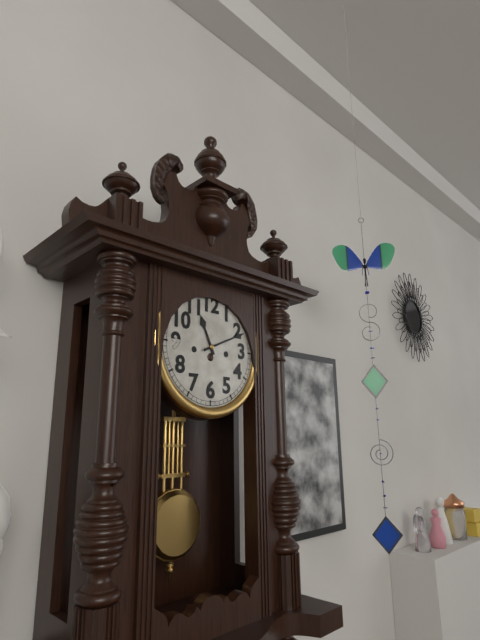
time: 11:11
